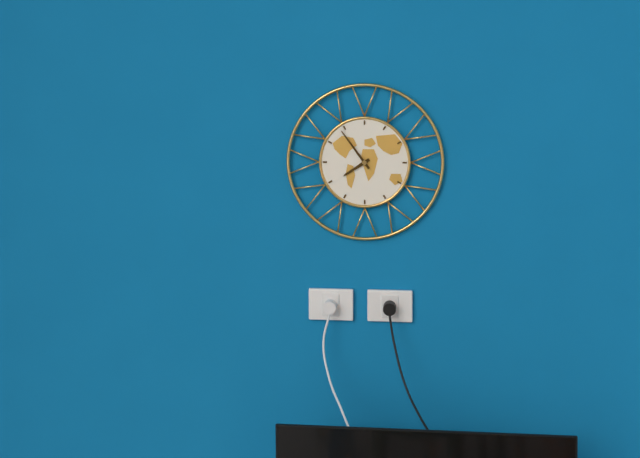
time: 7:54
